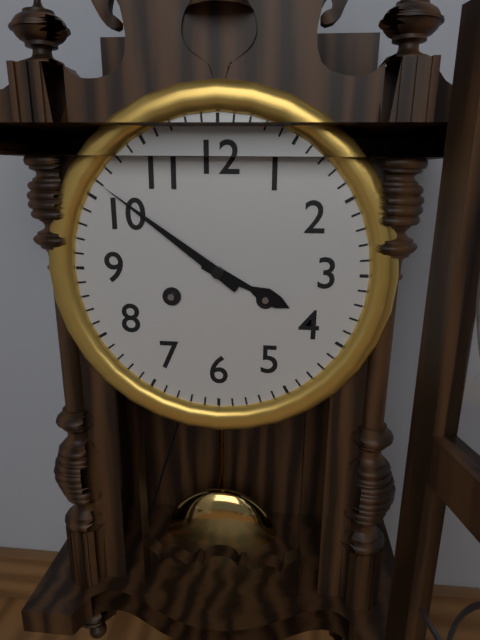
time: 3:51
